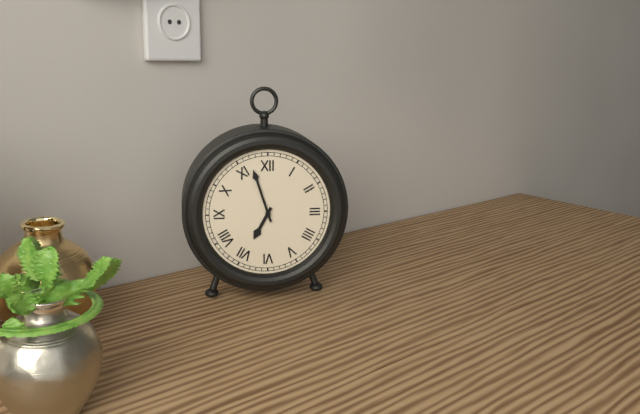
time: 6:57
